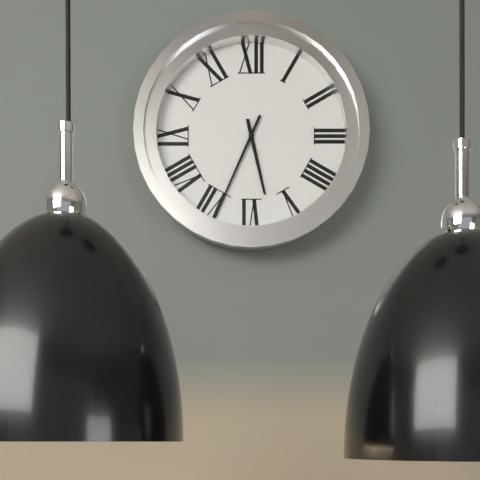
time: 5:34
